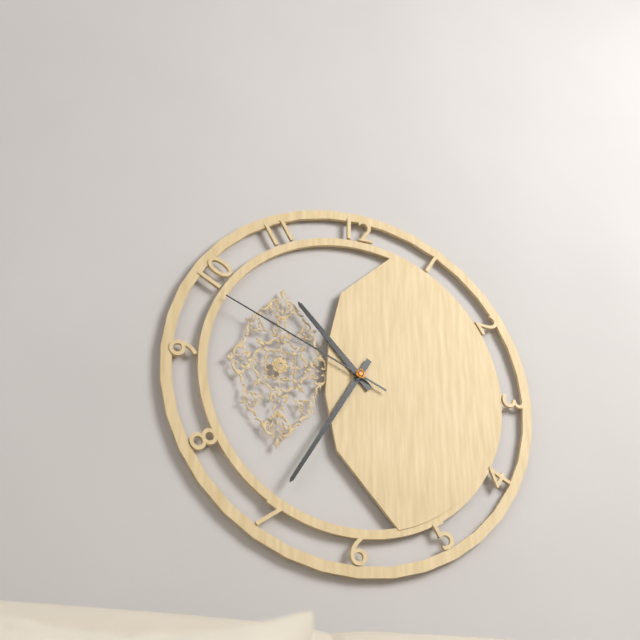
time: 10:35:49
